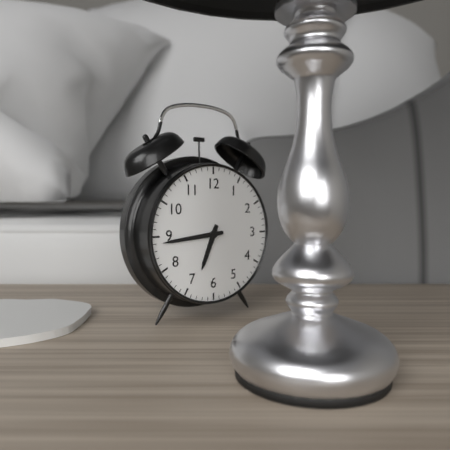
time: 6:44
